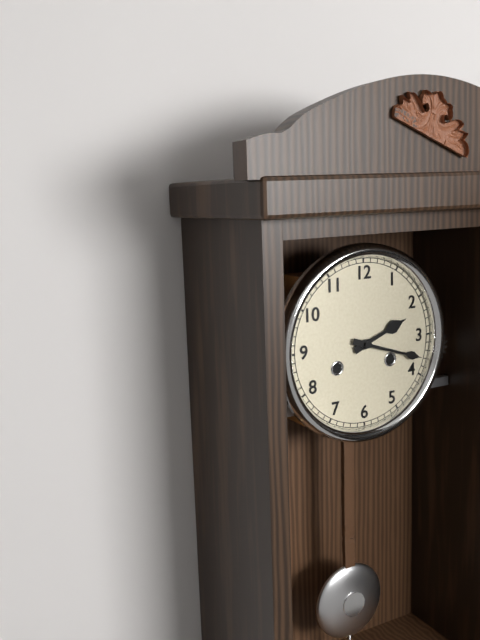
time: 2:18
